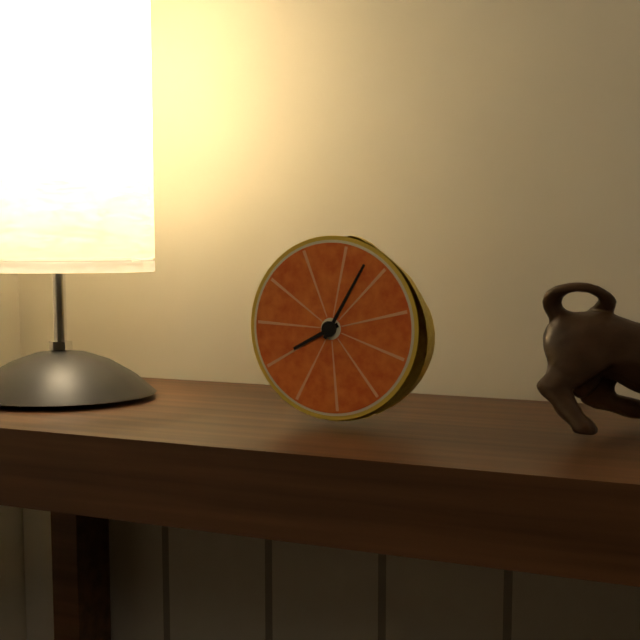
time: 8:05
